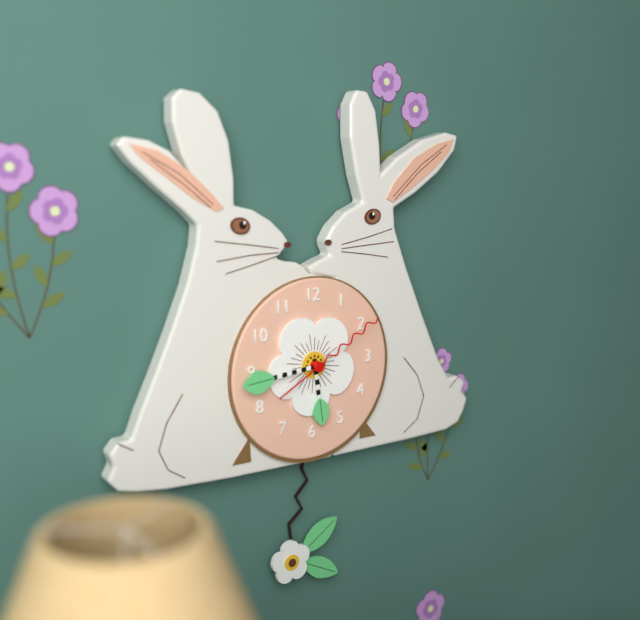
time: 5:44:10
